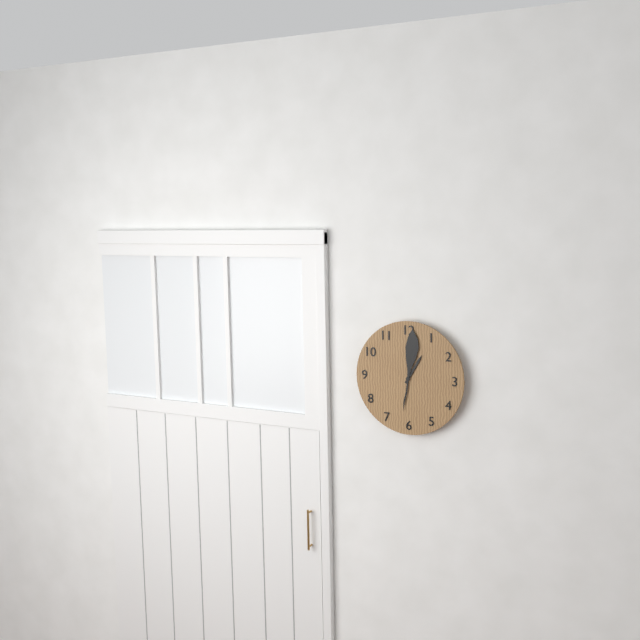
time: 1:01
